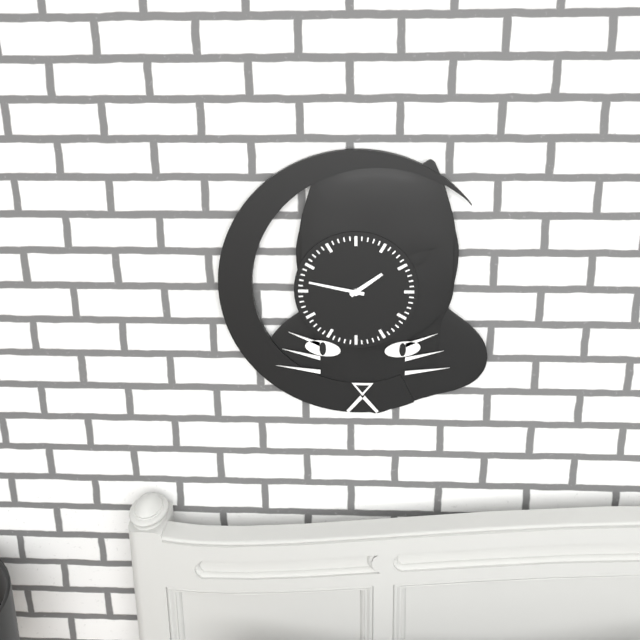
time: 1:47
